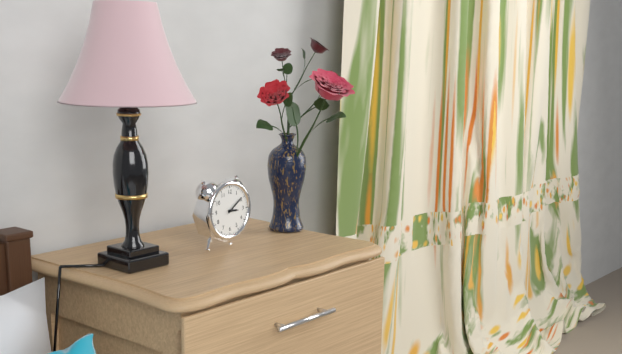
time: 3:09
